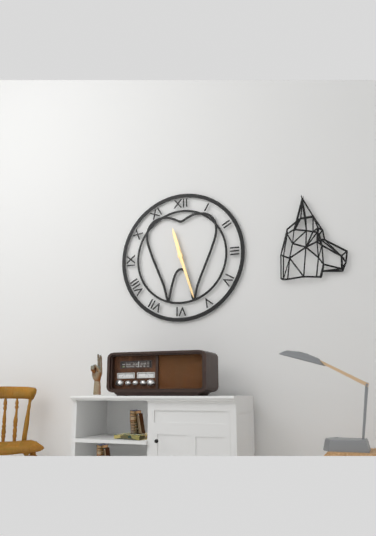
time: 11:27
